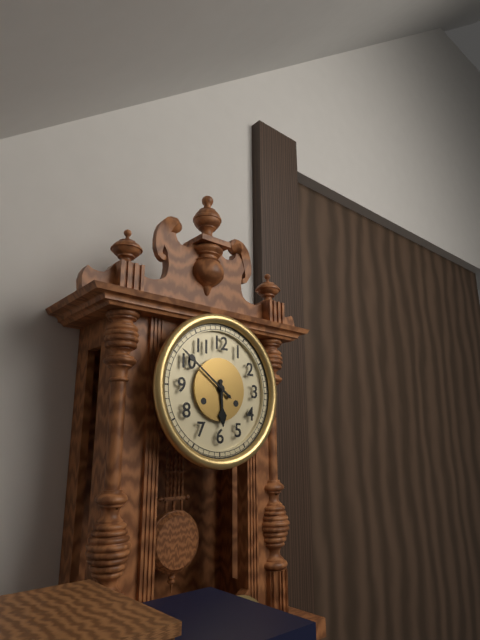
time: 5:51
